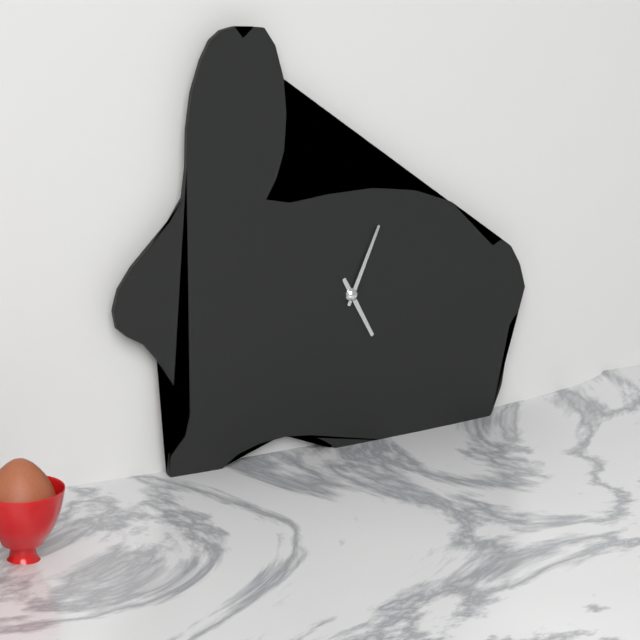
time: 5:04
